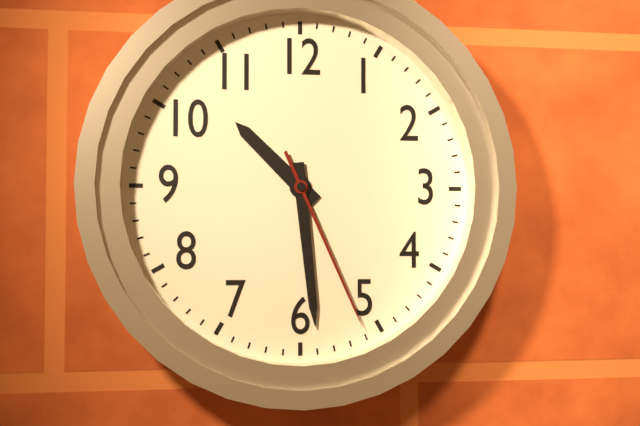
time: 10:29:26
